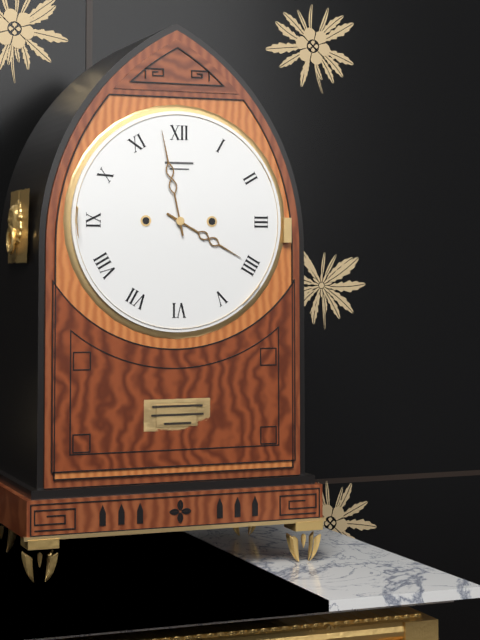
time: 3:58
